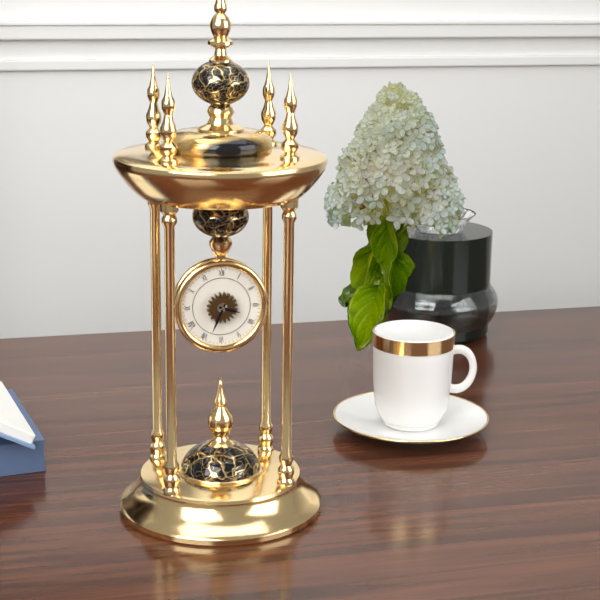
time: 3:34
